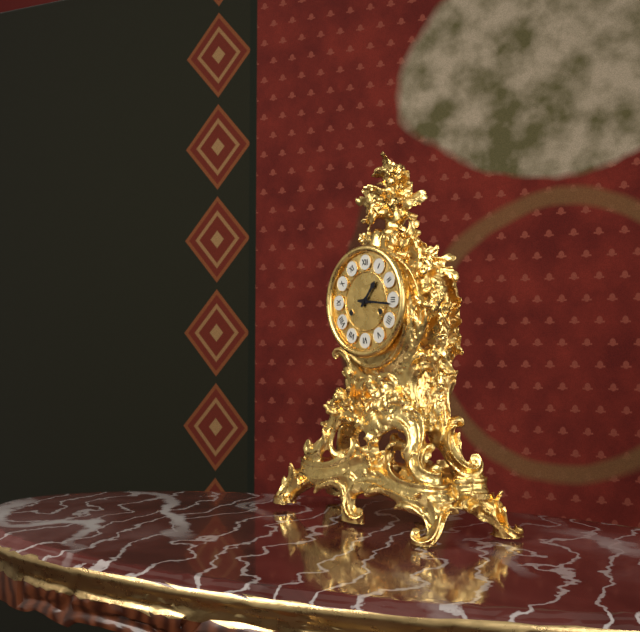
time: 1:16
